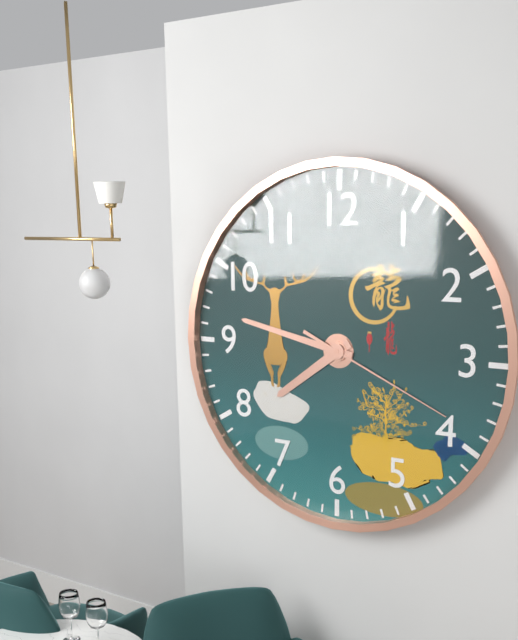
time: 7:47:19
